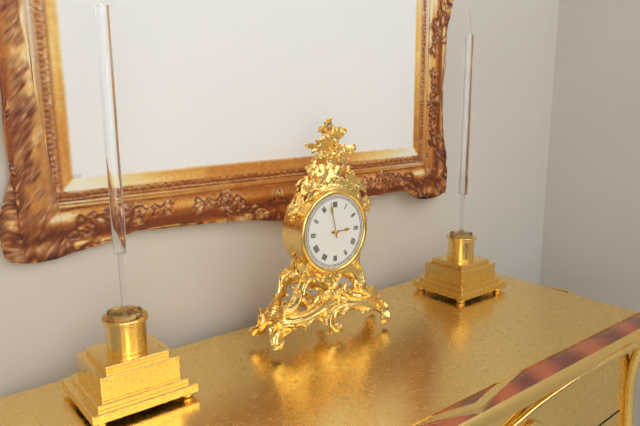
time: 2:58
